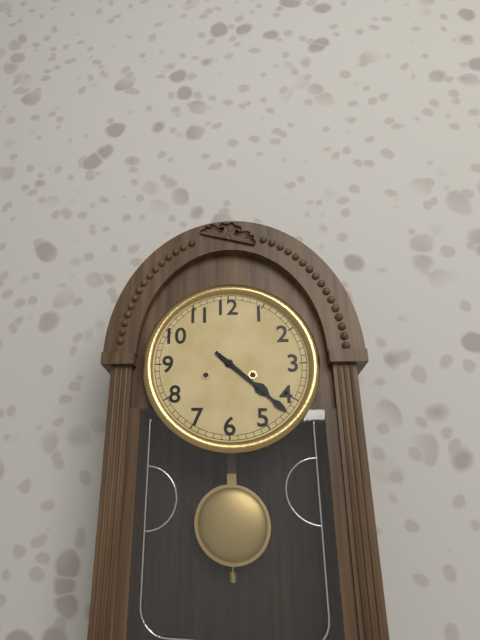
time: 4:22
